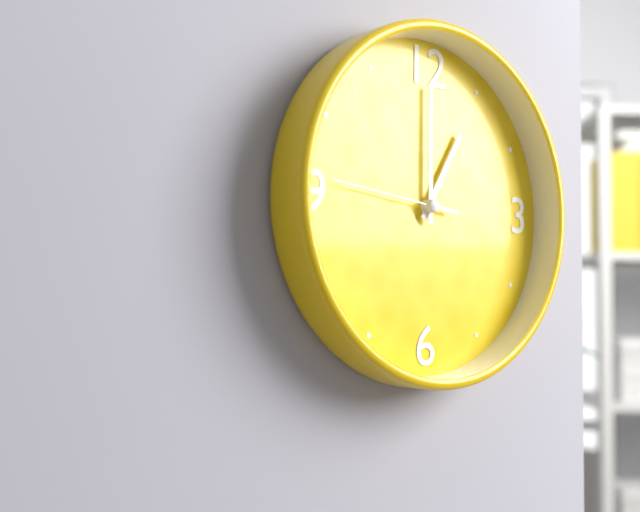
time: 1:00:46
